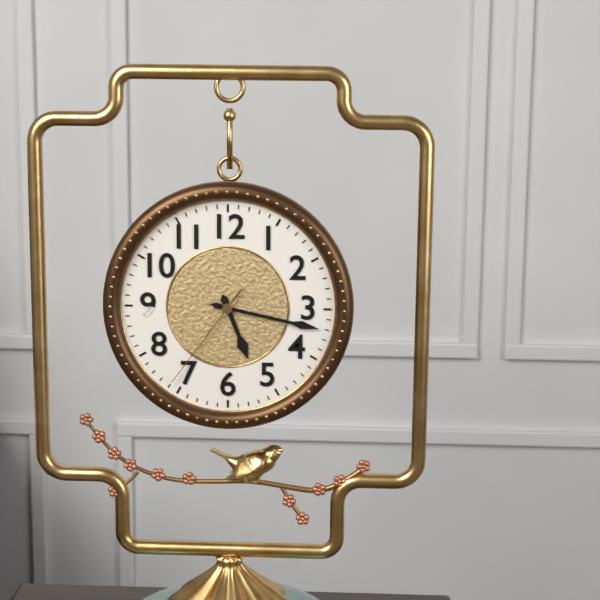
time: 5:17:36
